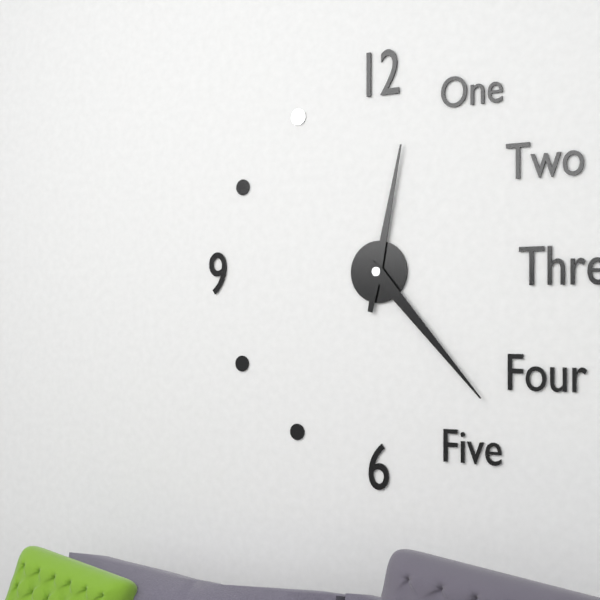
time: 12:23
